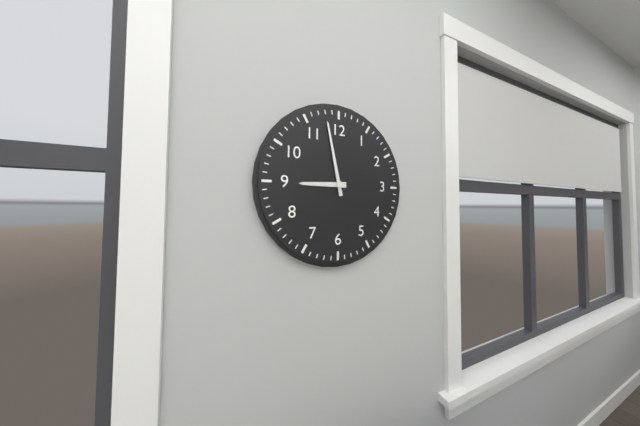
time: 8:58
